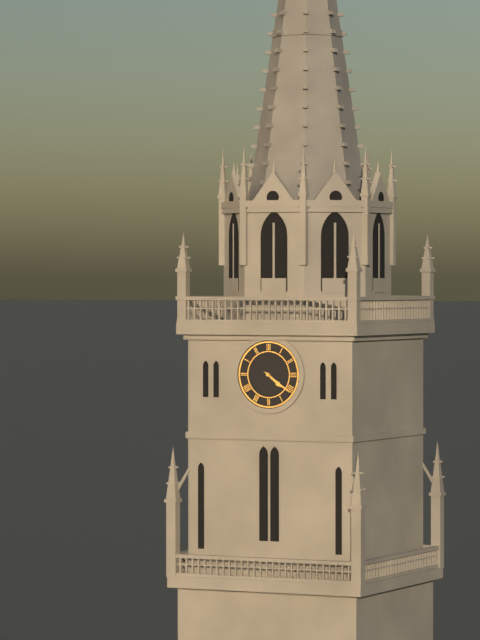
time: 4:21
